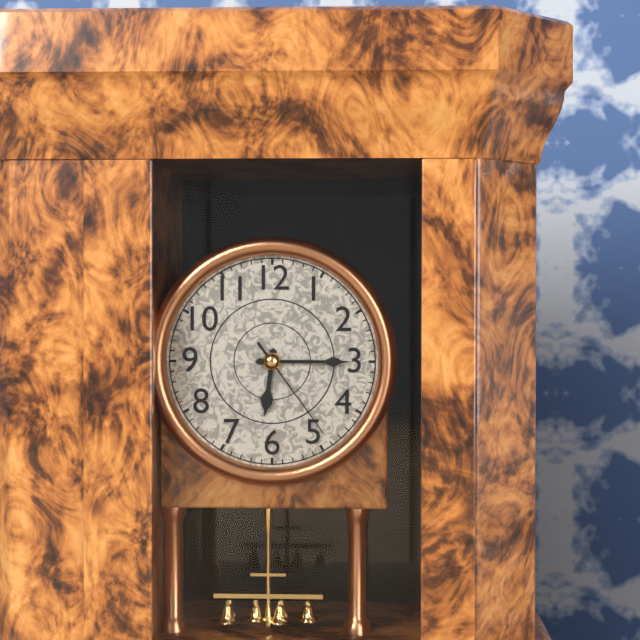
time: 6:15:24
